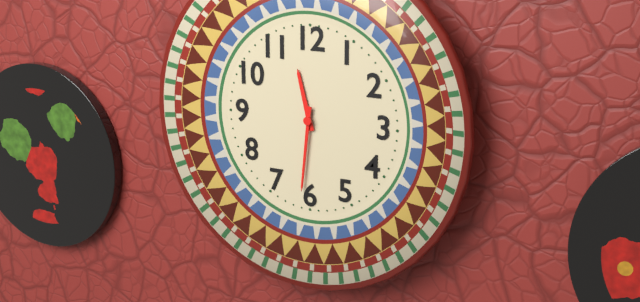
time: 11:31
